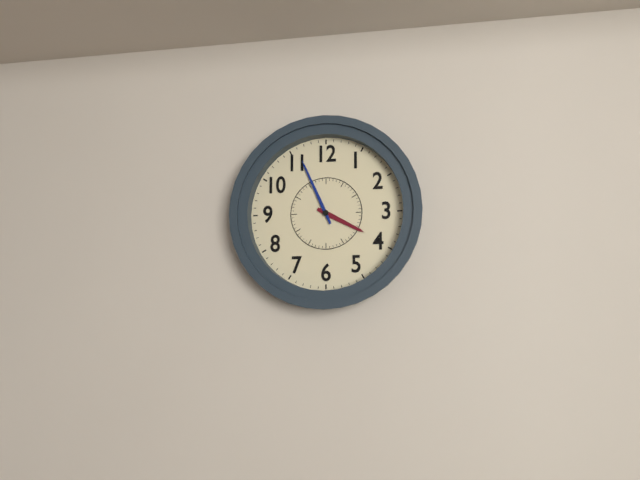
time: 3:56
